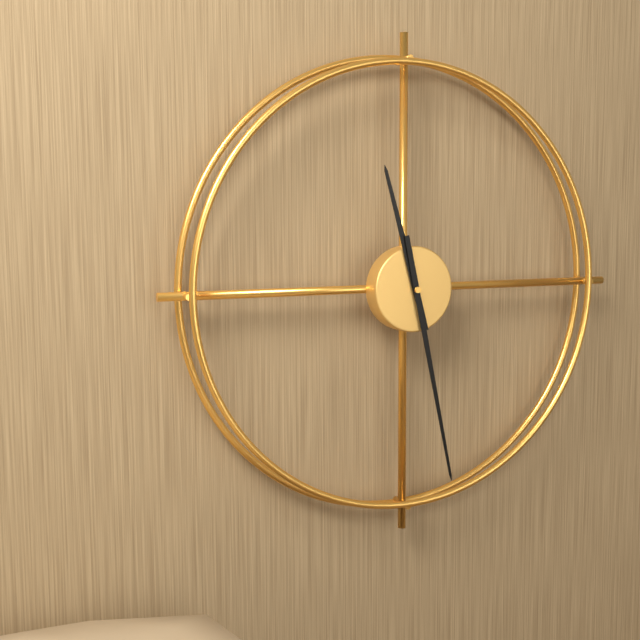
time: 11:28
